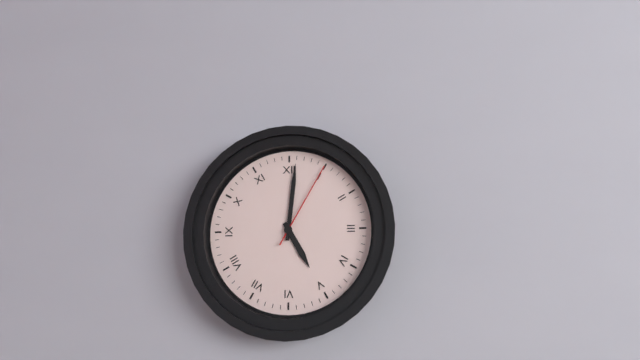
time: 5:01:05
